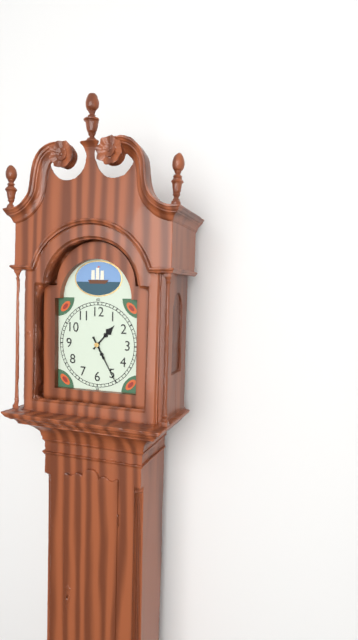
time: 1:25
